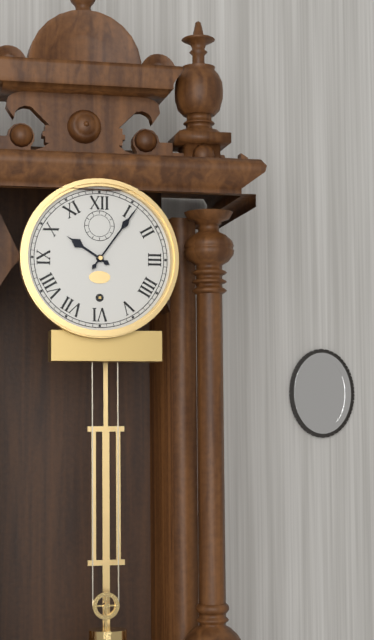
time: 10:06
